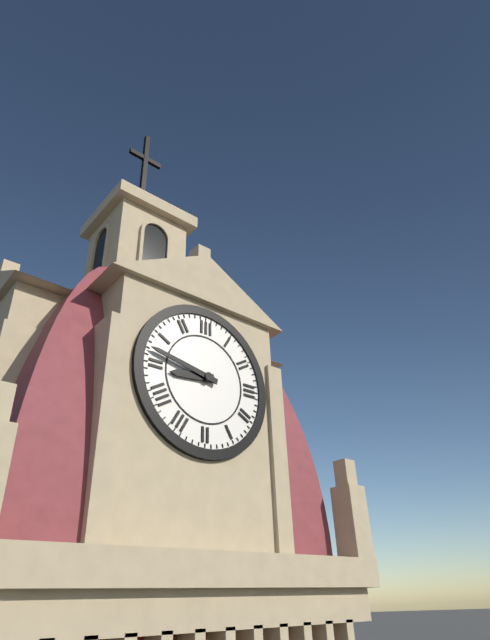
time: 8:47
